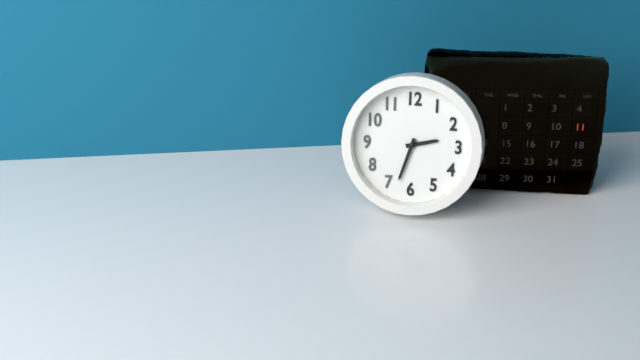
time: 2:33
